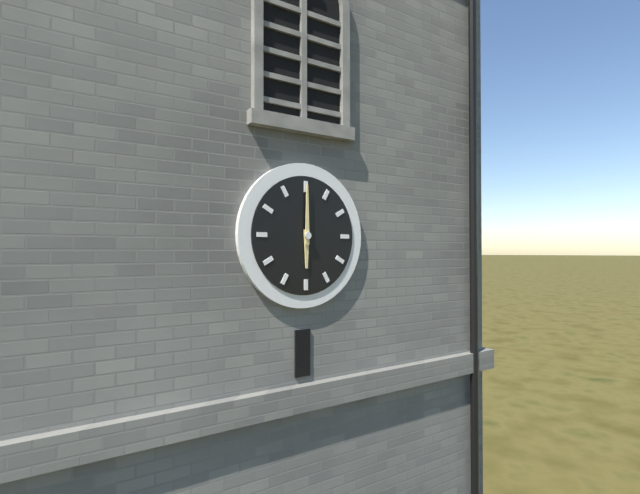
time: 6:00
